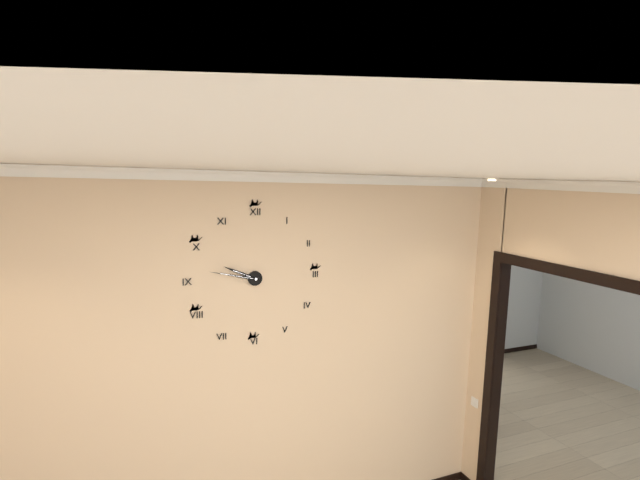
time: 9:47
